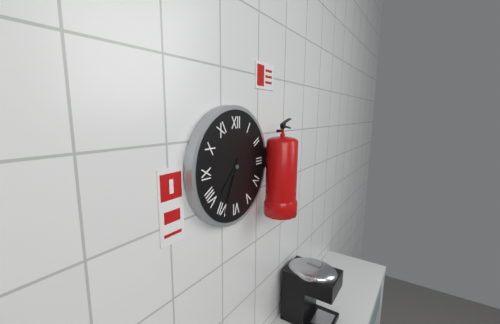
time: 7:34
